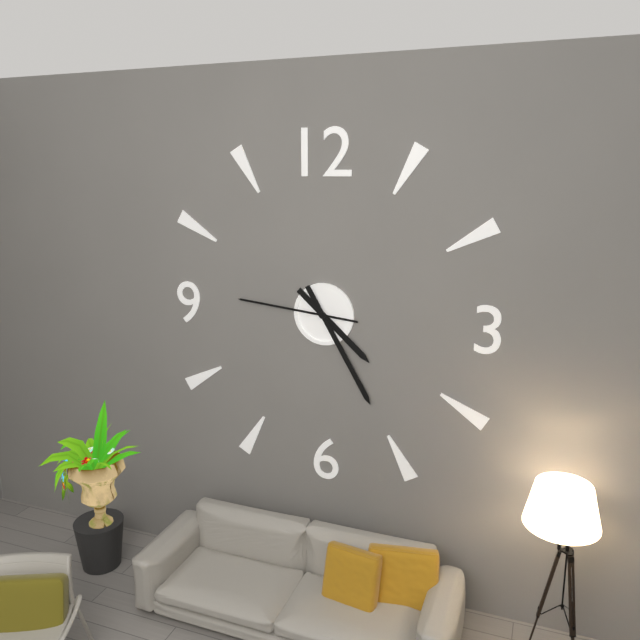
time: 4:25:46
